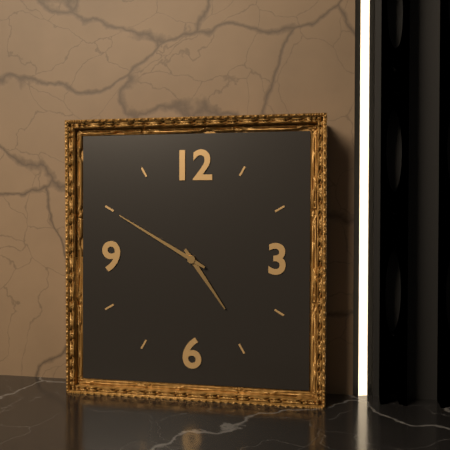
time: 4:50
